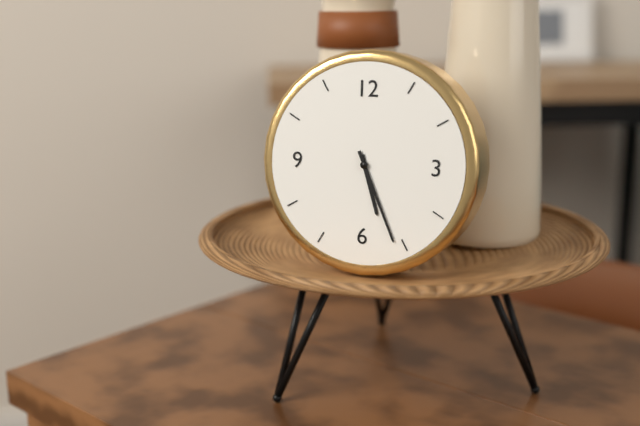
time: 5:26
